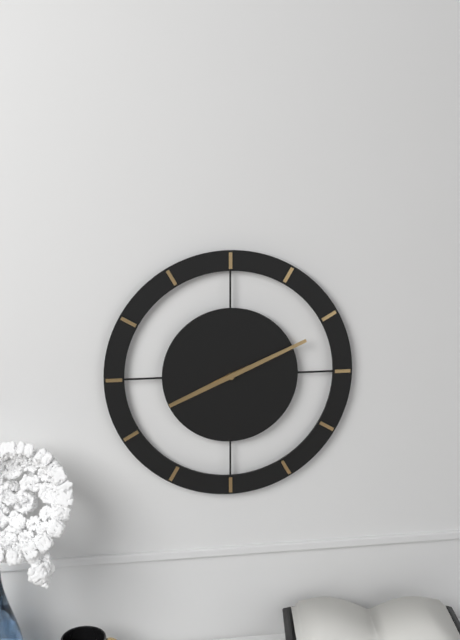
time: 8:11
